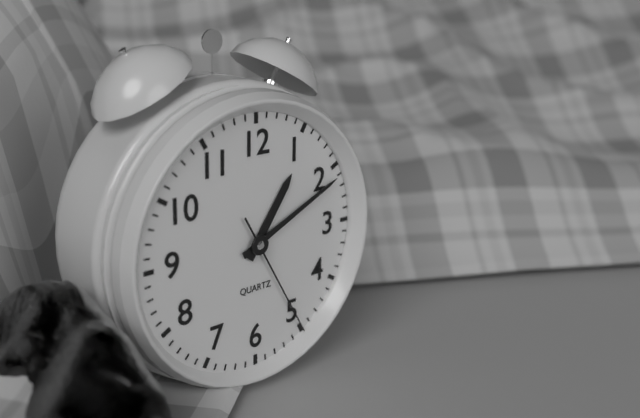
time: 1:11:25
